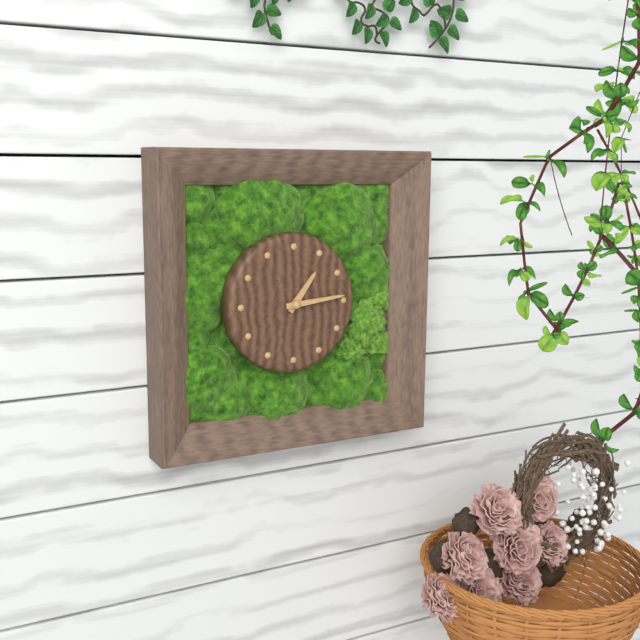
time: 1:14
